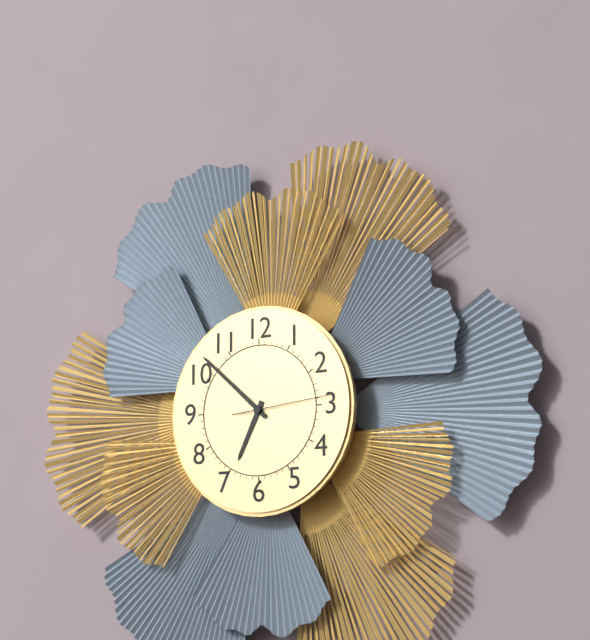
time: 6:52:14
